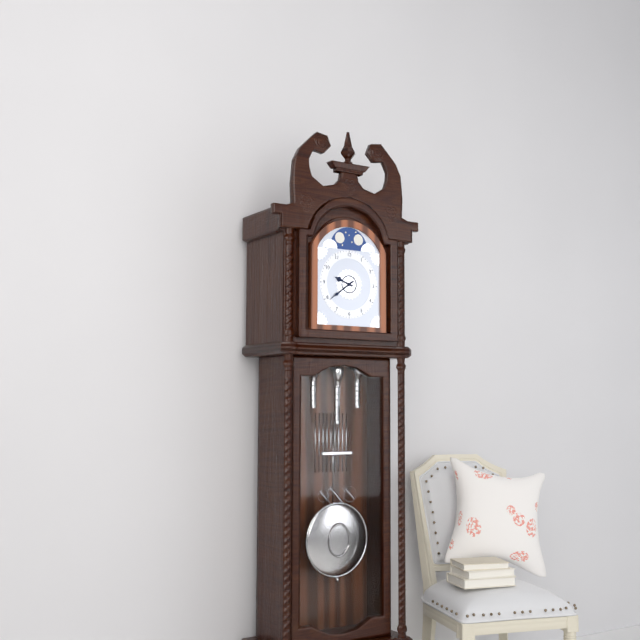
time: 9:39
